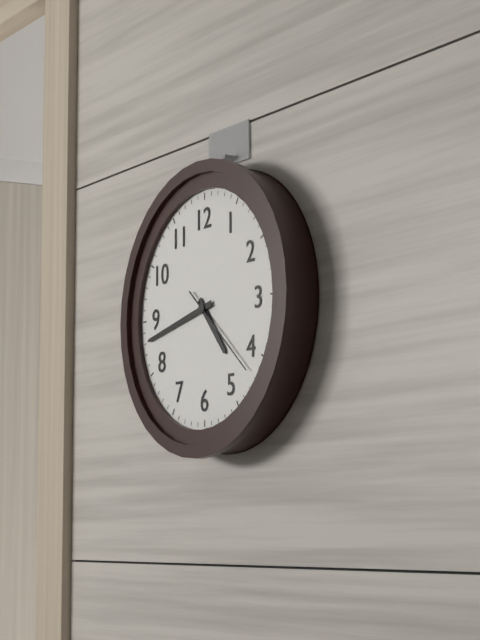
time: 4:43:22
